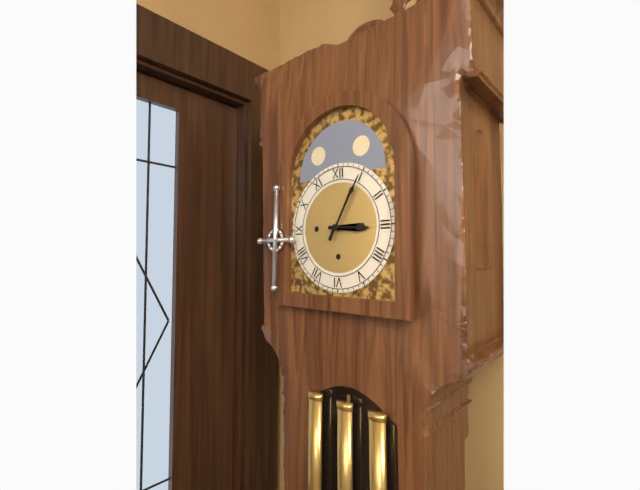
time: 3:05
